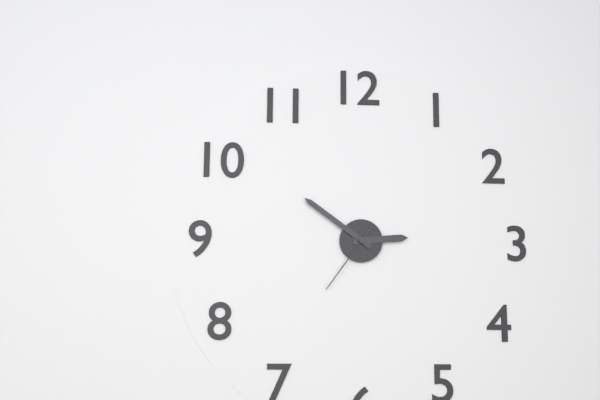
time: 2:51:36
